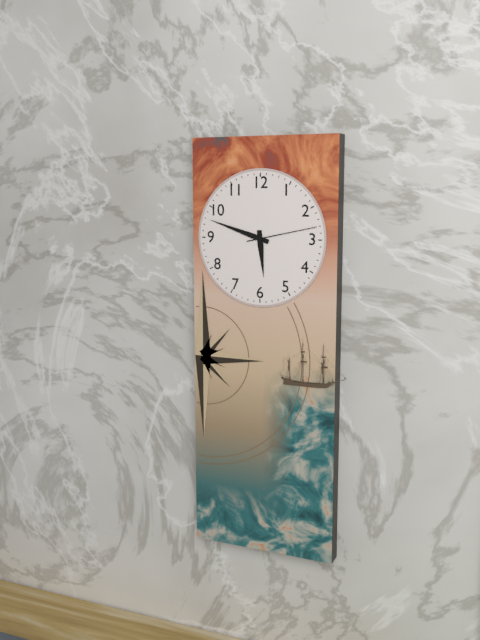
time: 5:48:13
